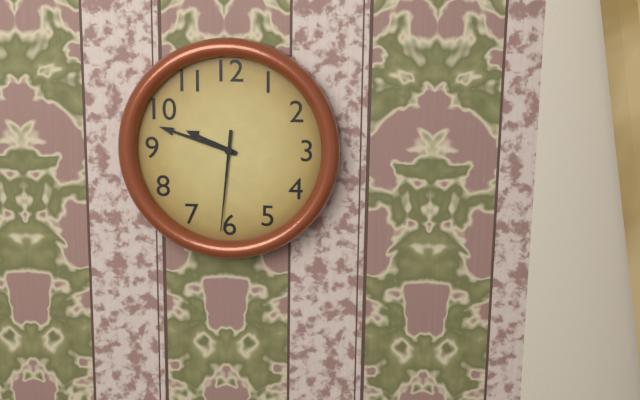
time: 9:48:31
